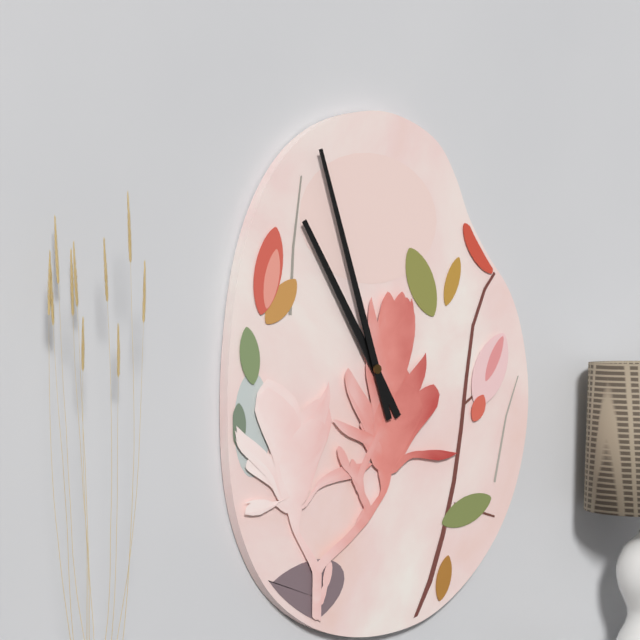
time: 10:57
